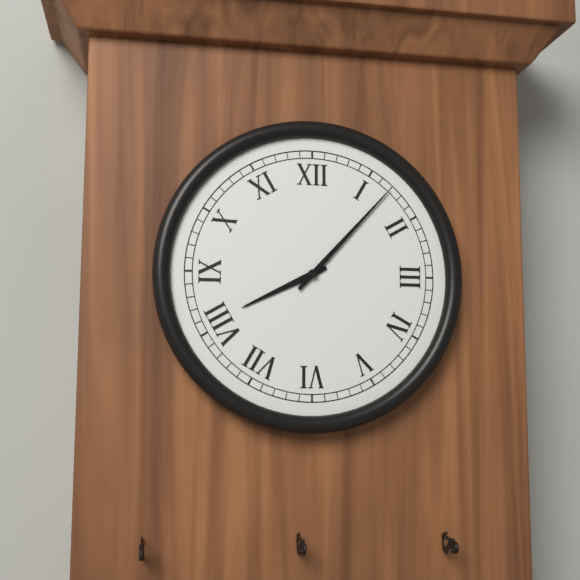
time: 8:07
